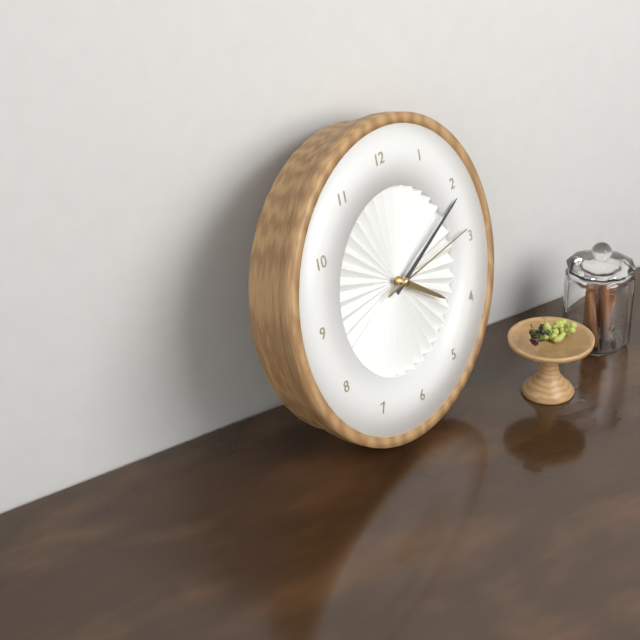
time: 4:11:14
